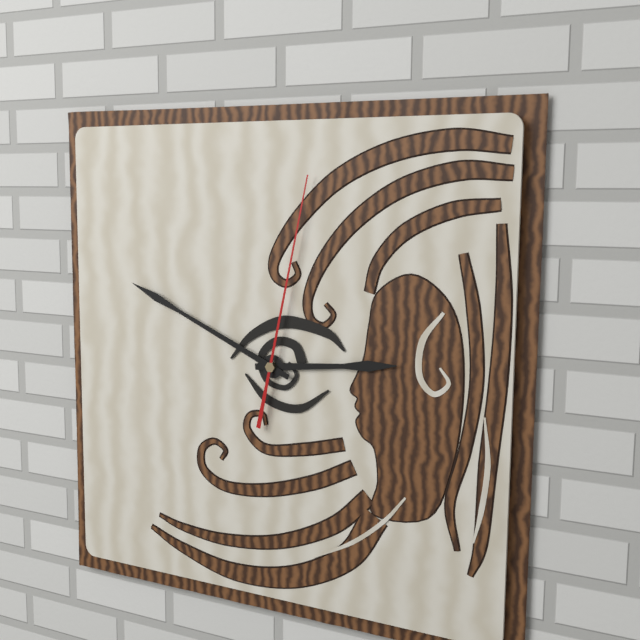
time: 2:49:02
